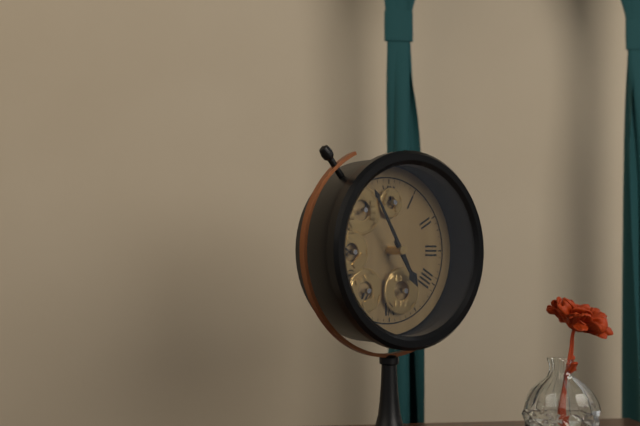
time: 4:55
